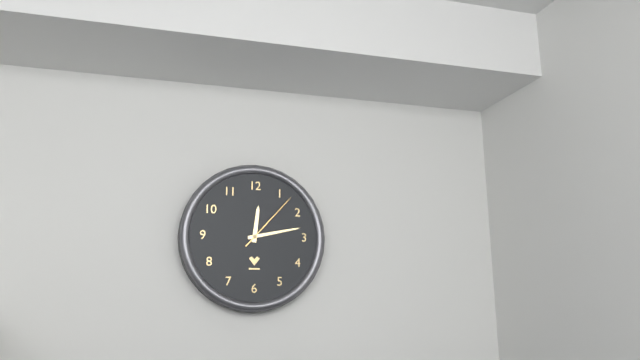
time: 12:13:07
